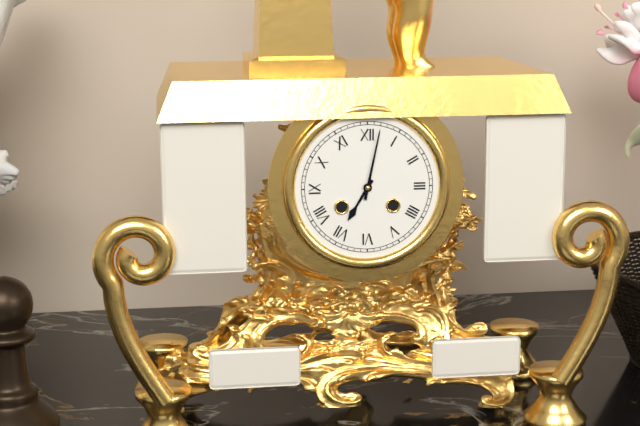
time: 7:02
